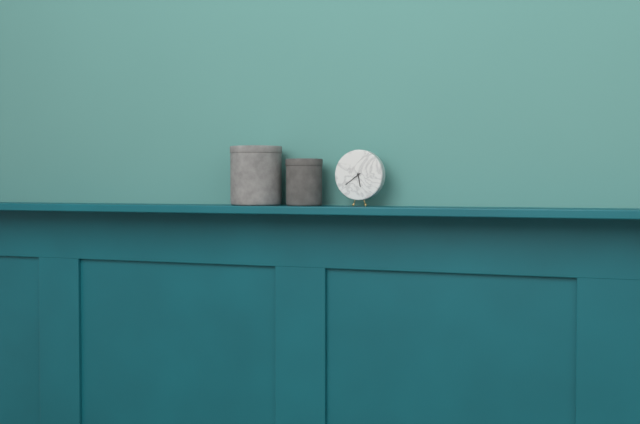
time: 5:39
